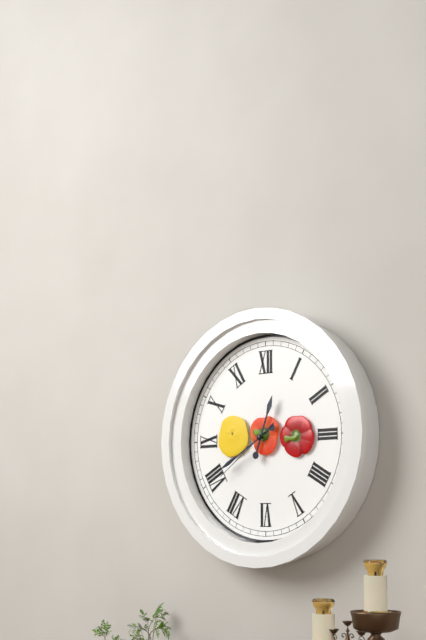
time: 12:40:39
